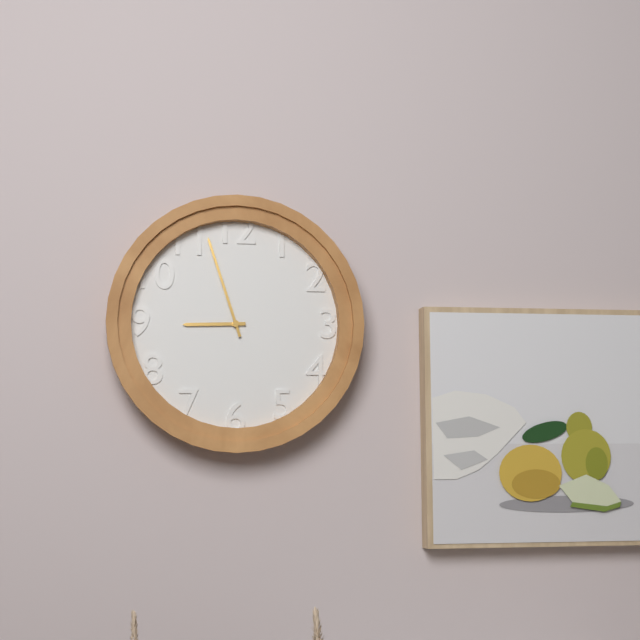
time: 8:57
